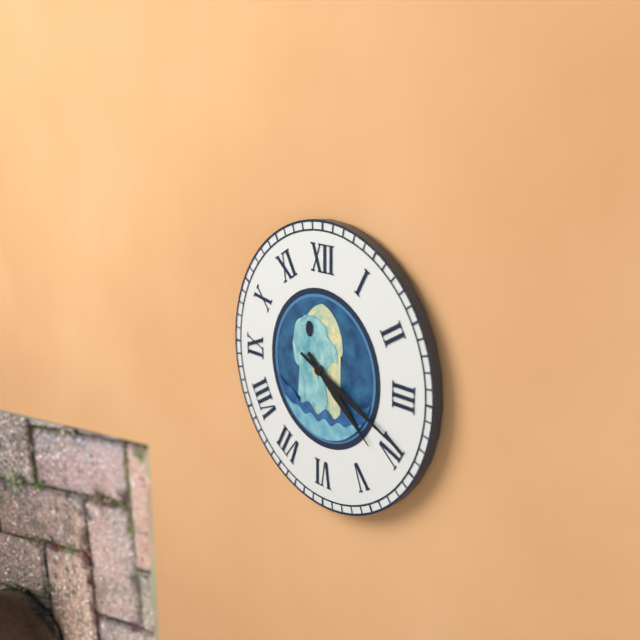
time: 4:19
